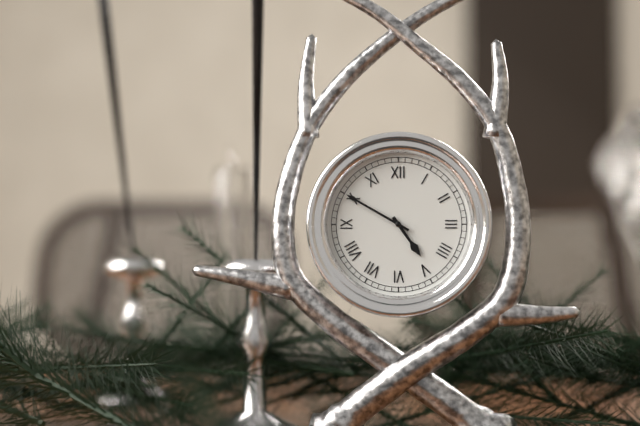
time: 4:50
